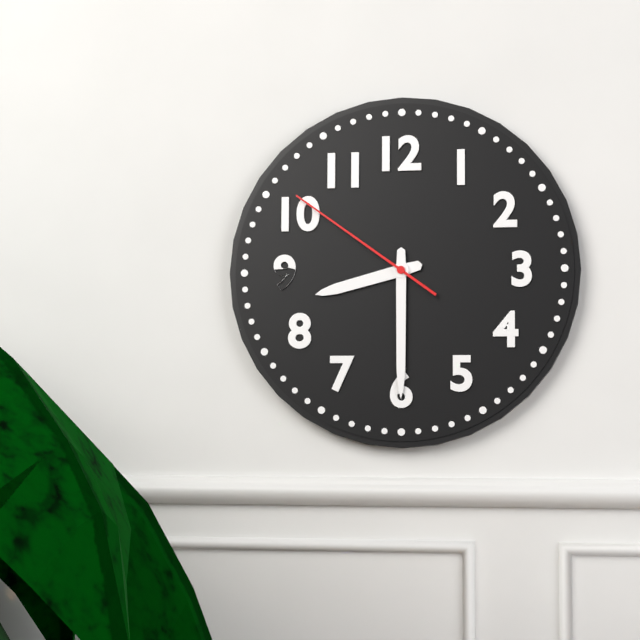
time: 8:30:51
